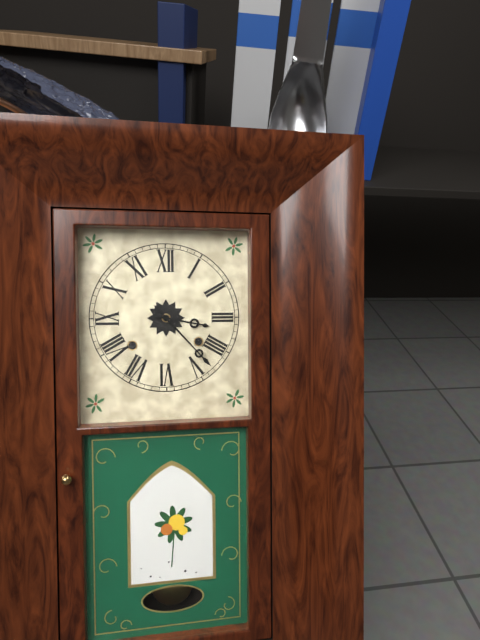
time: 3:23
